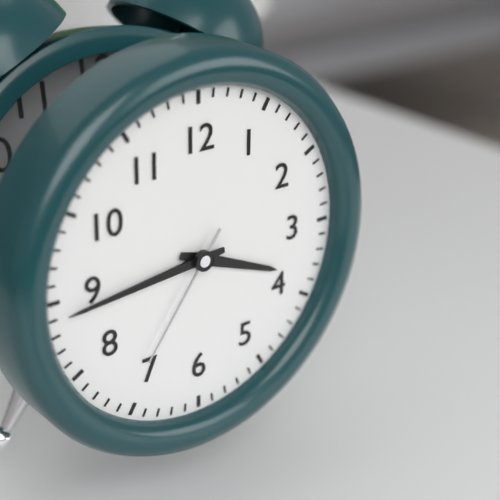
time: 3:44:36
